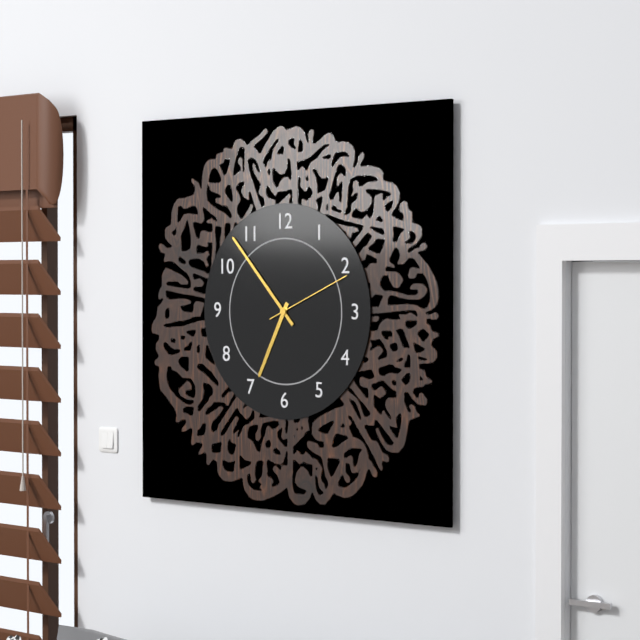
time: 6:53:11
